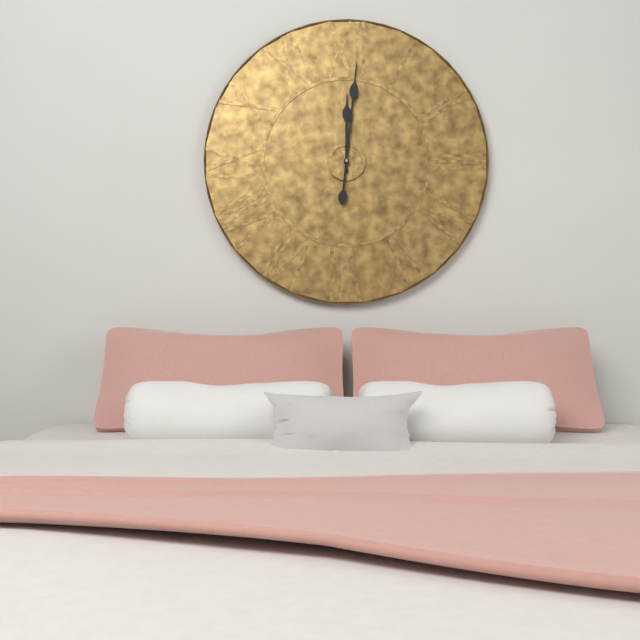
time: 12:01
